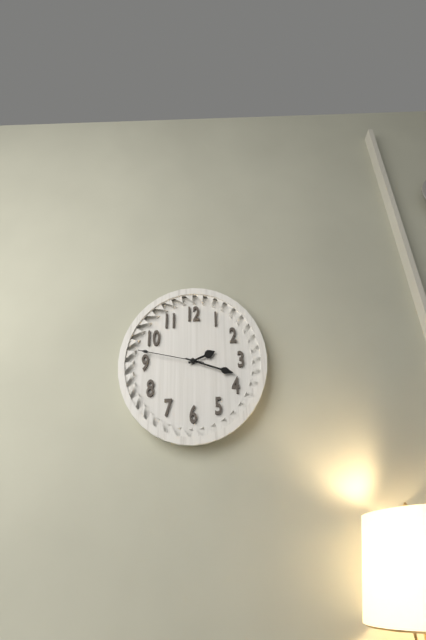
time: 2:18:47
